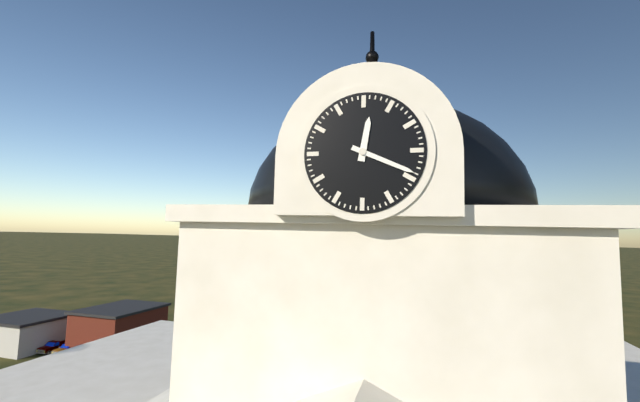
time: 12:19
